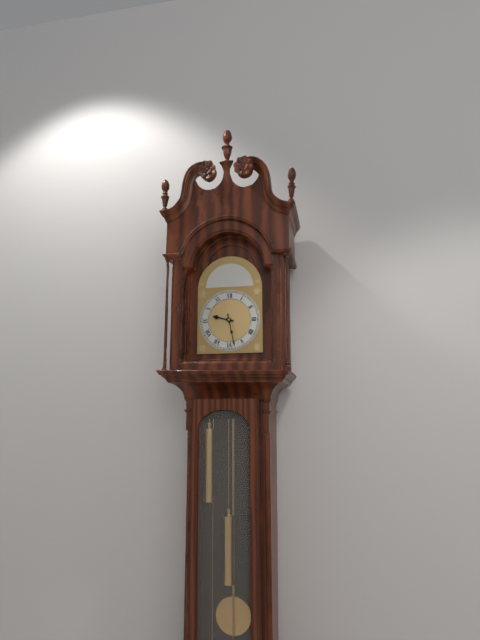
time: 9:28
